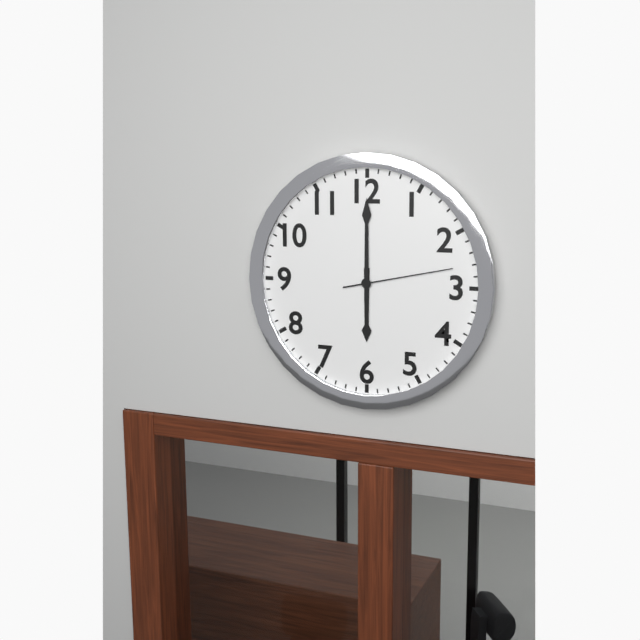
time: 6:00:13
